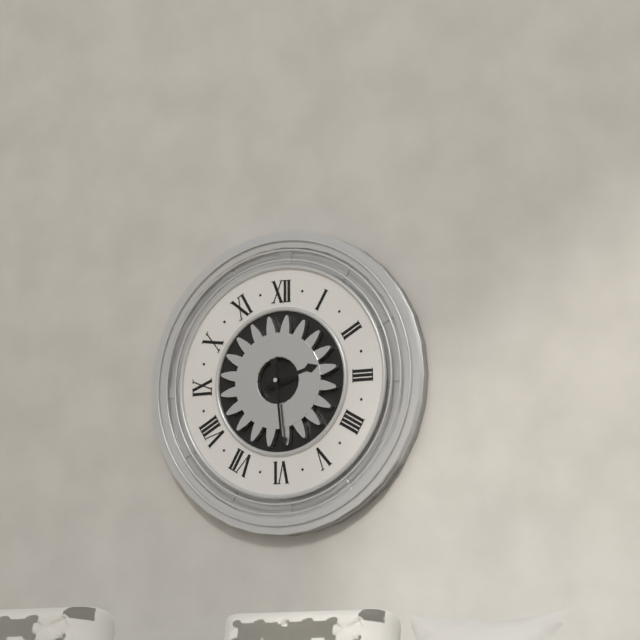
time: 2:29
